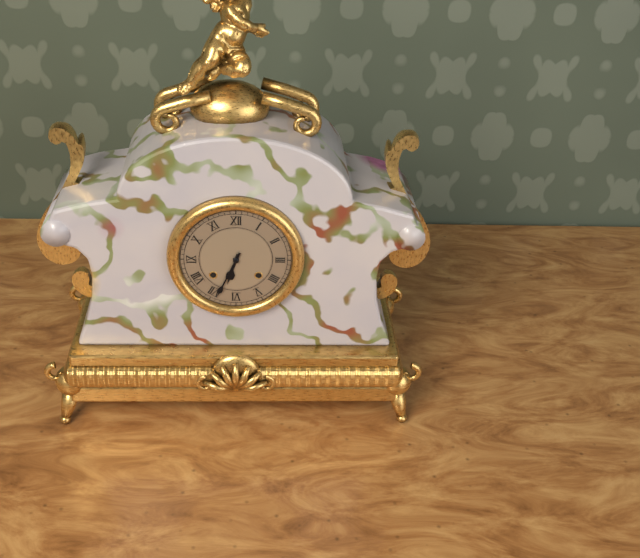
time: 6:34
